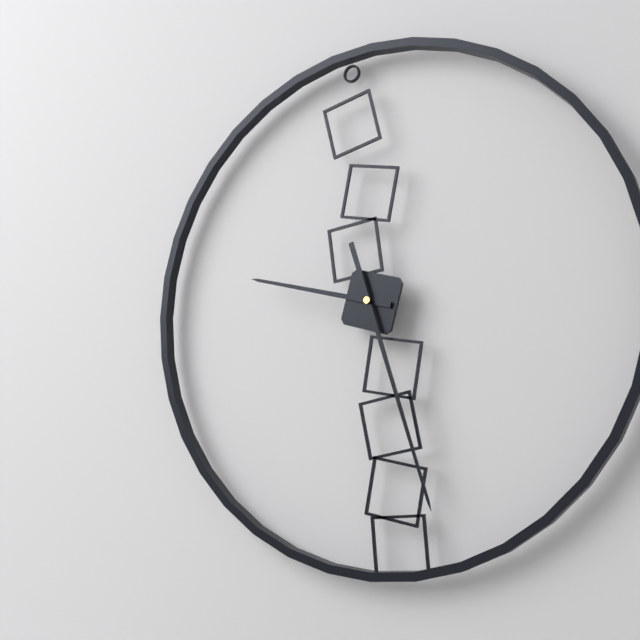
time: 9:27
